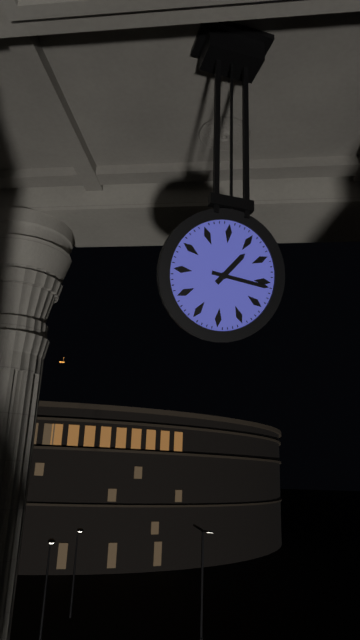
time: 1:16
